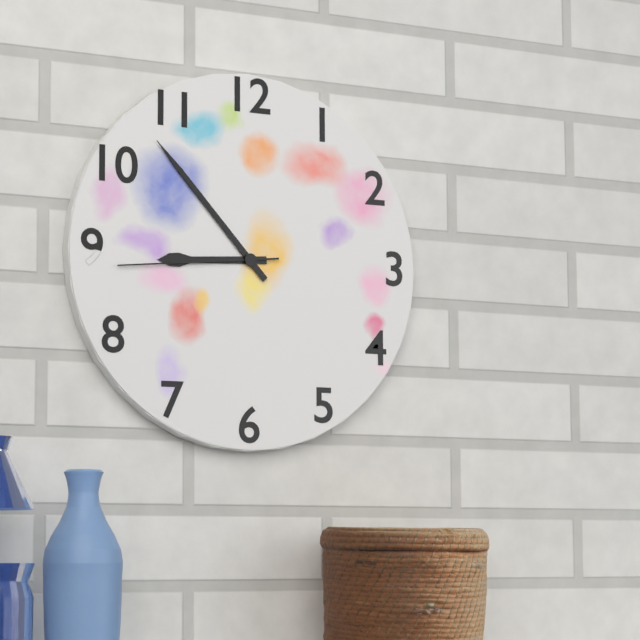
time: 8:53:44
